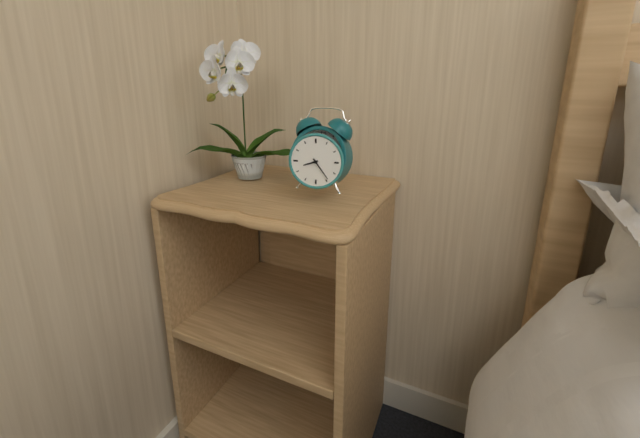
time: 8:24
